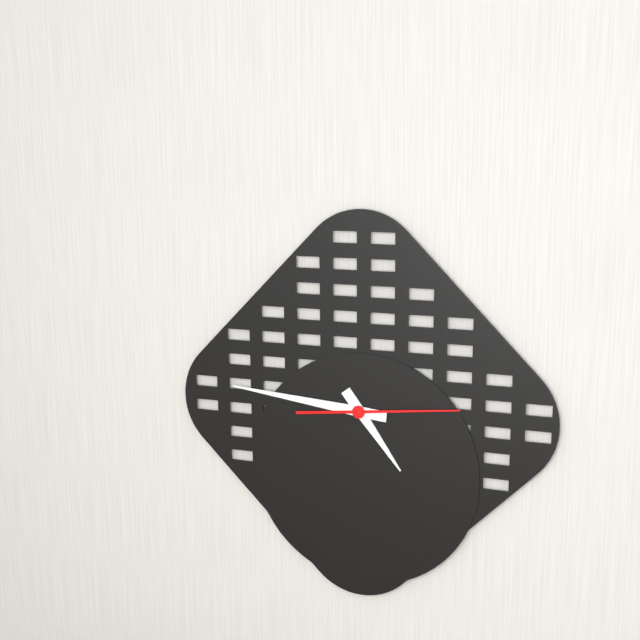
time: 4:46:14
